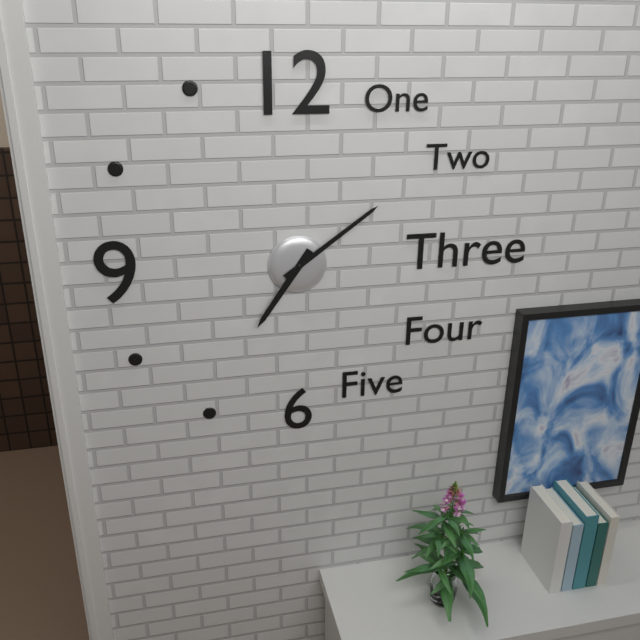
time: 7:09
